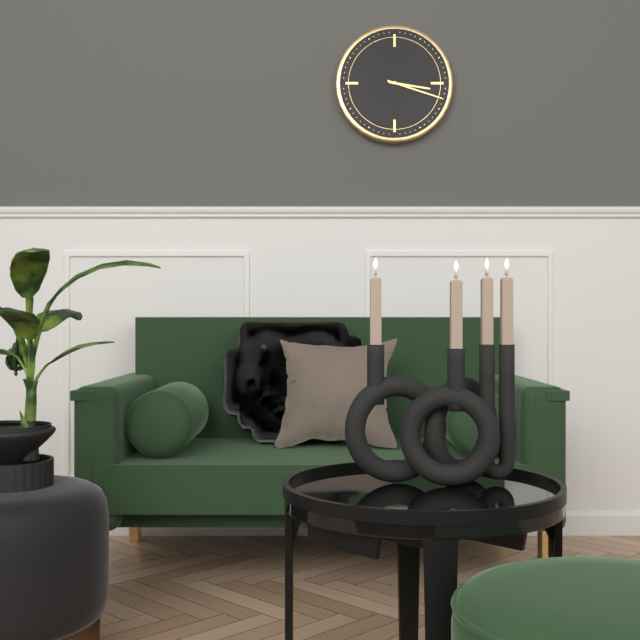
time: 3:18
